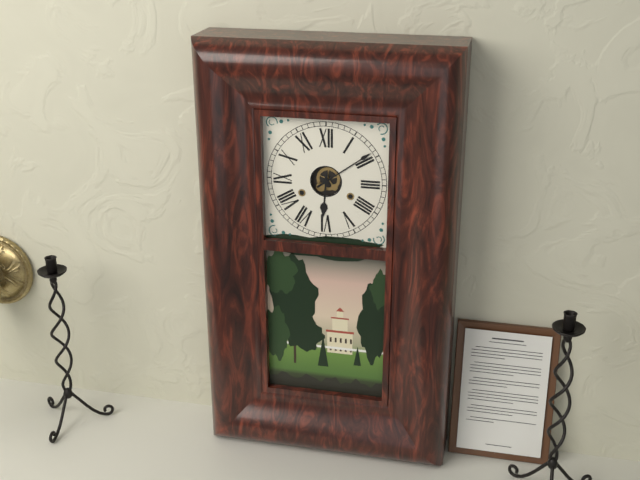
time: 6:09
